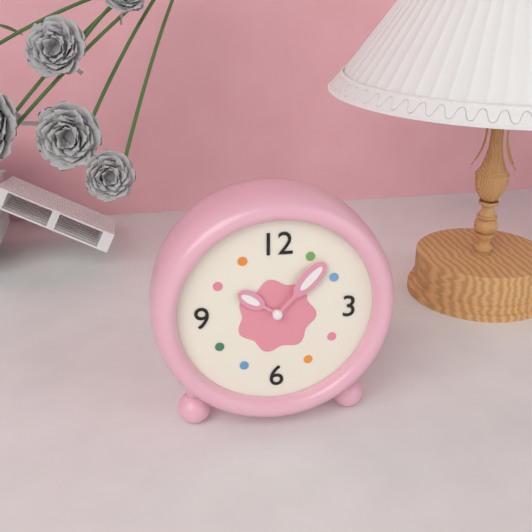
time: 10:07
